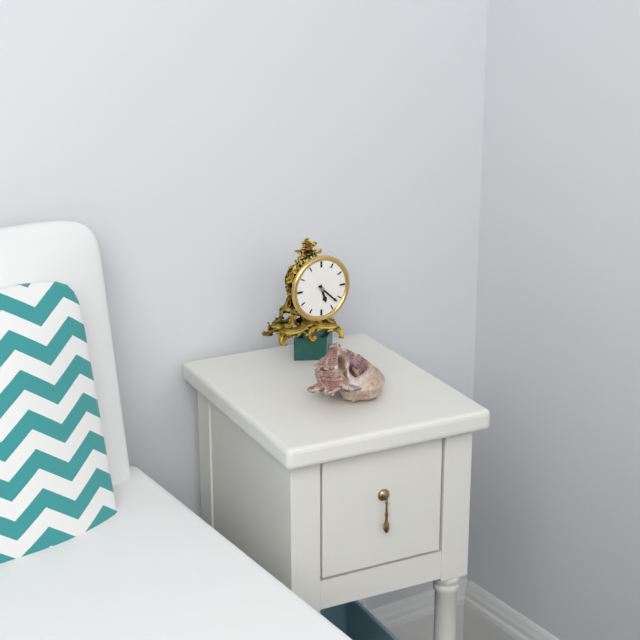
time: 5:22
